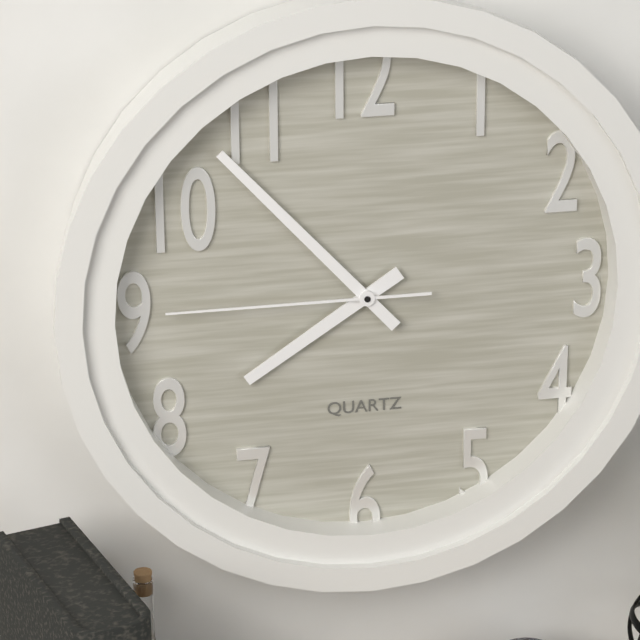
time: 7:53:45
